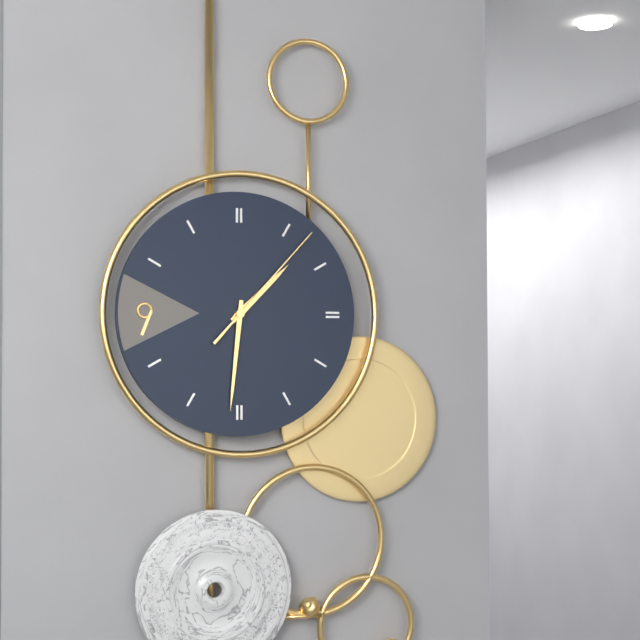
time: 1:31:07
